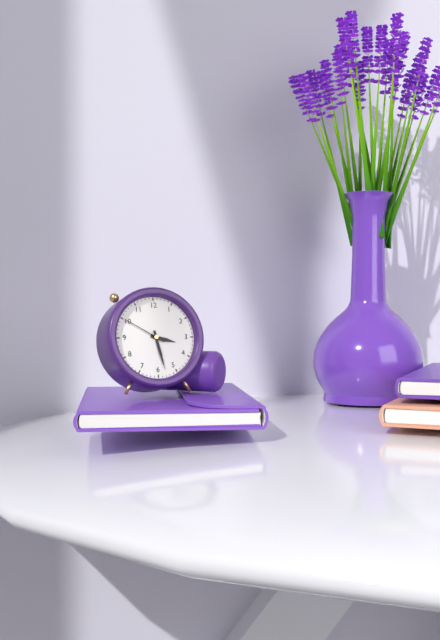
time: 3:28
